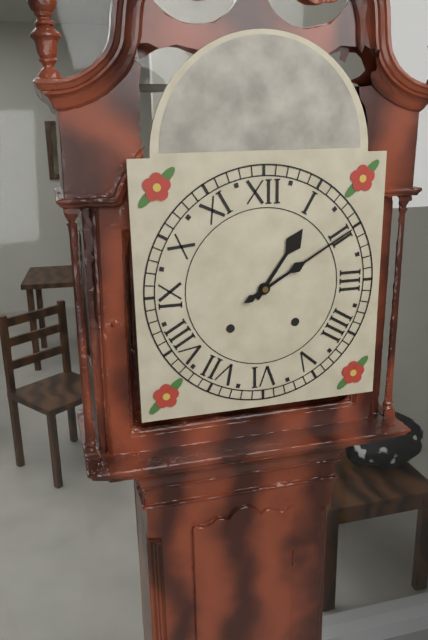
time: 1:10
